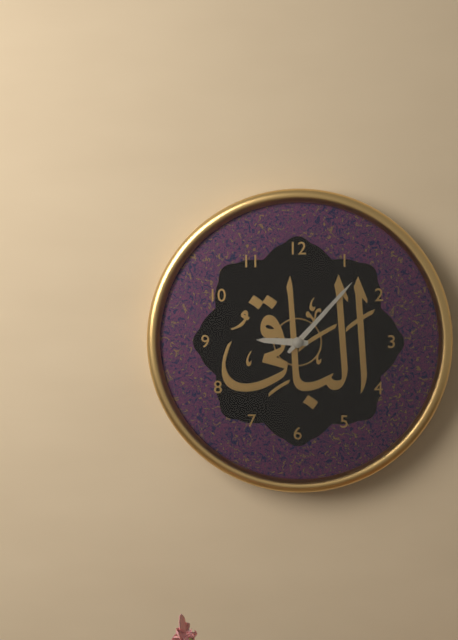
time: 9:07
